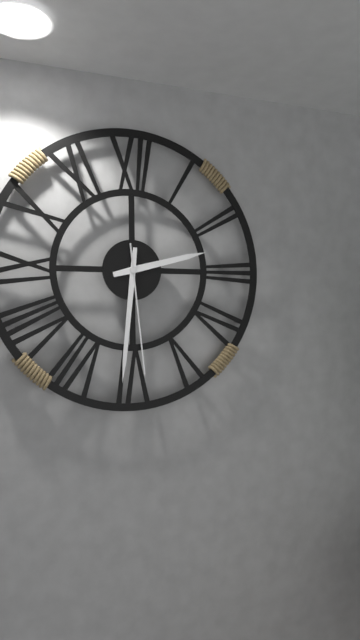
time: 2:31:29
